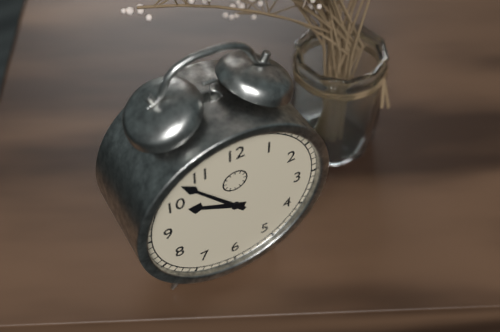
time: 9:53
